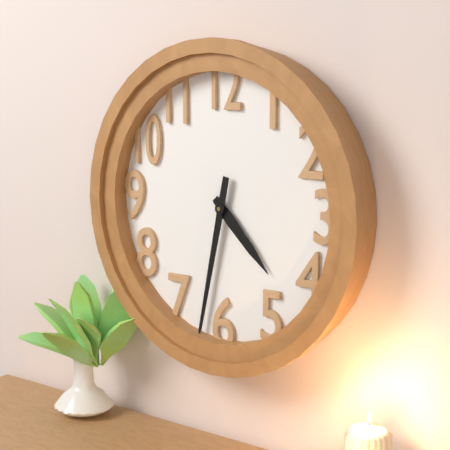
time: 4:32
